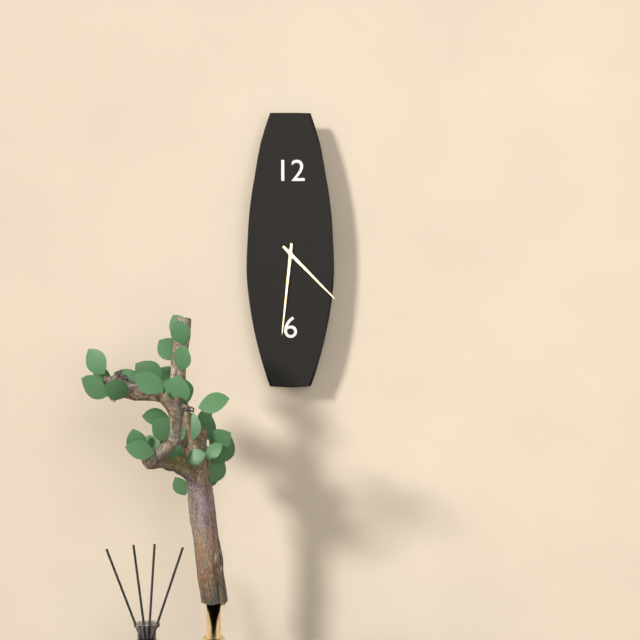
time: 4:31
